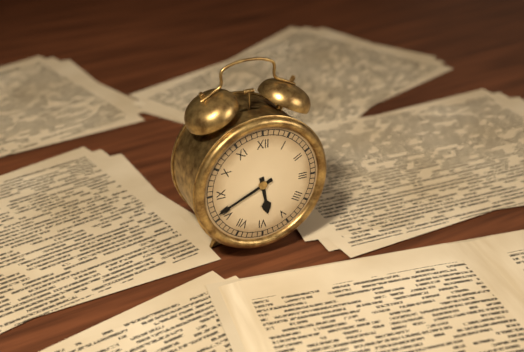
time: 5:41
